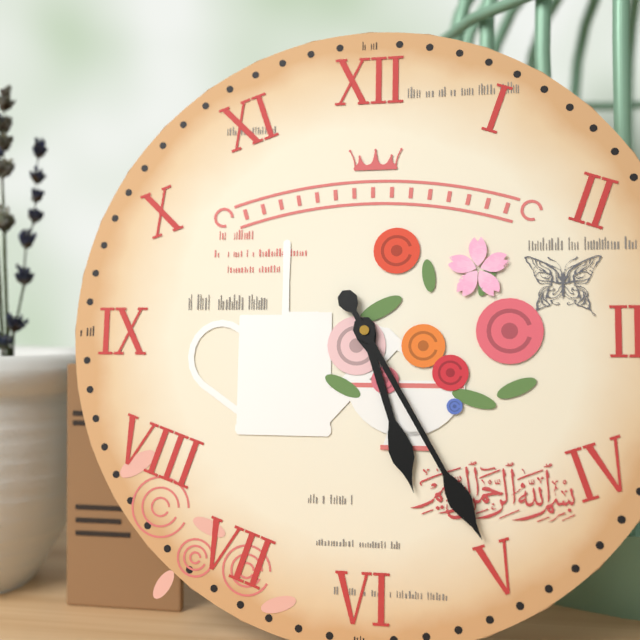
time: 5:25
